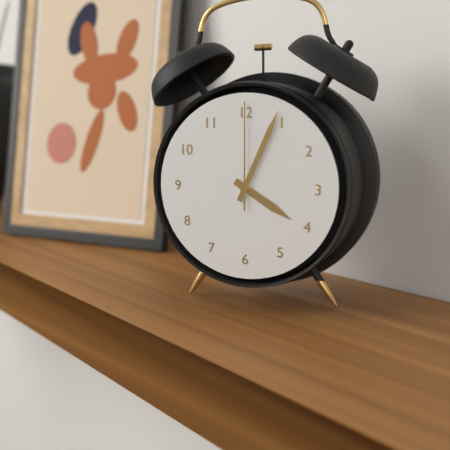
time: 4:04:00
